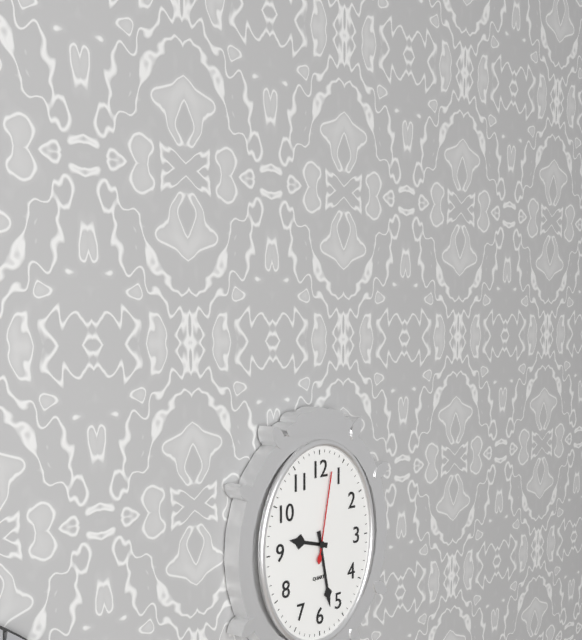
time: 9:28:02
